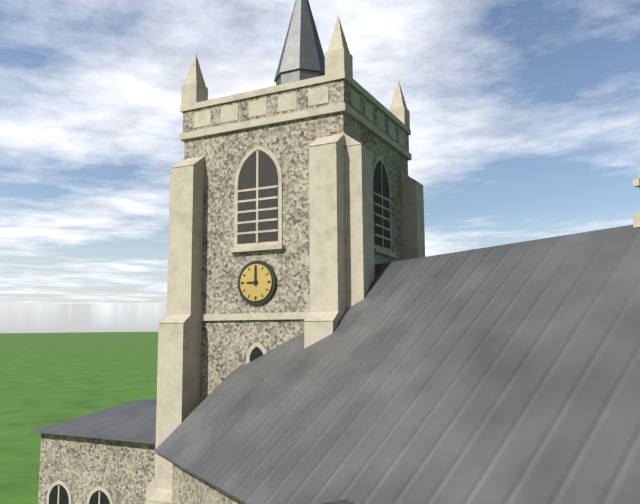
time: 9:00
